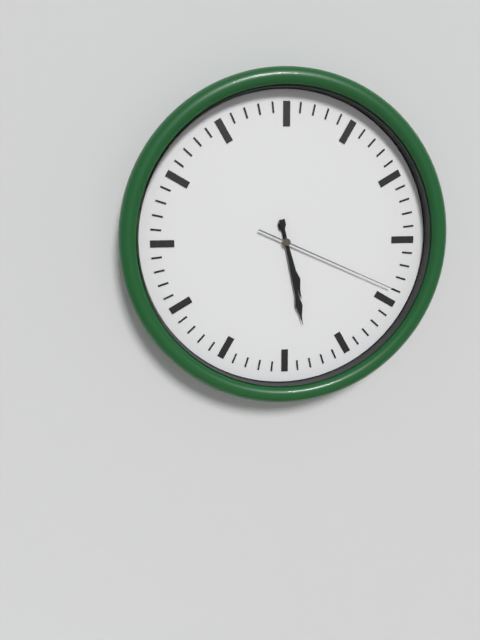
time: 5:28:19
